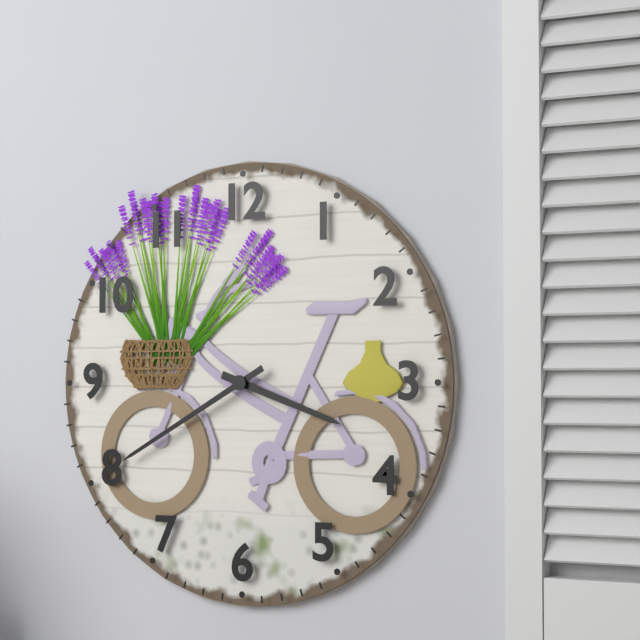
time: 3:40
